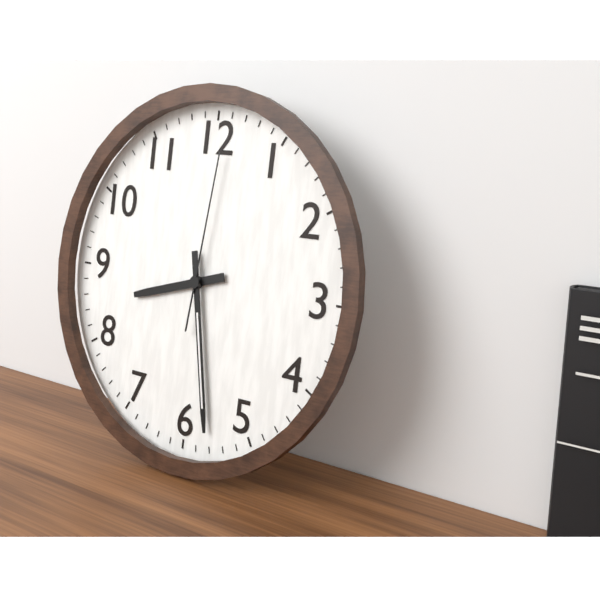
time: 8:28:01
